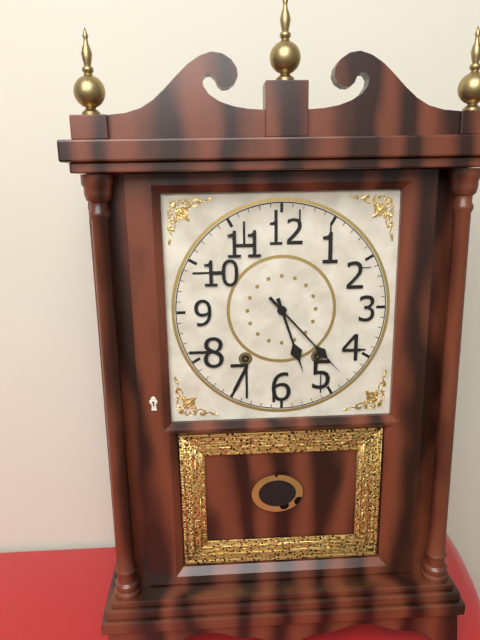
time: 5:23
